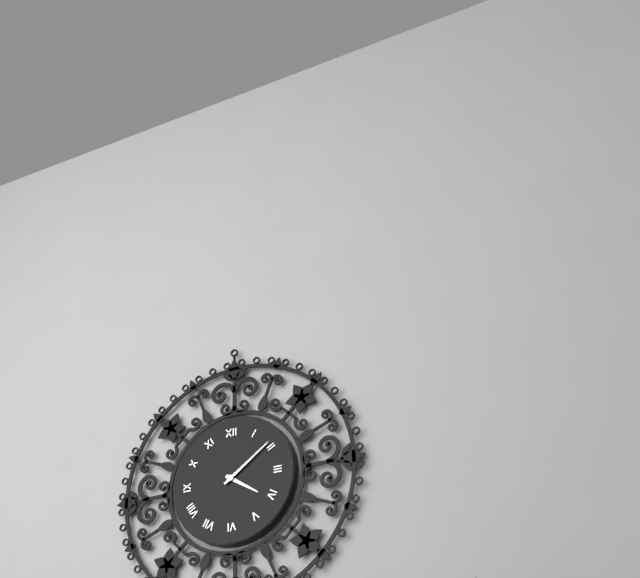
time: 4:09
